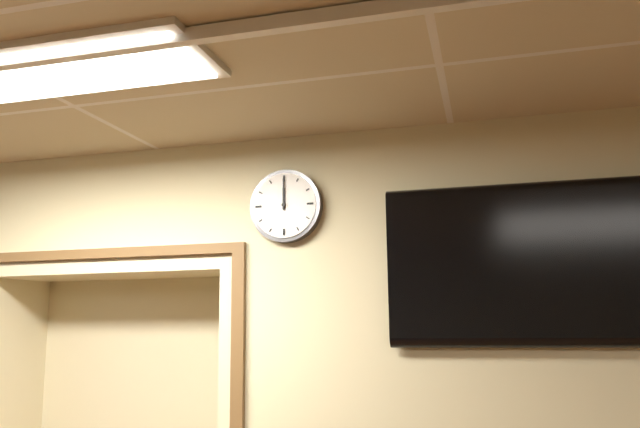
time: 12:00
